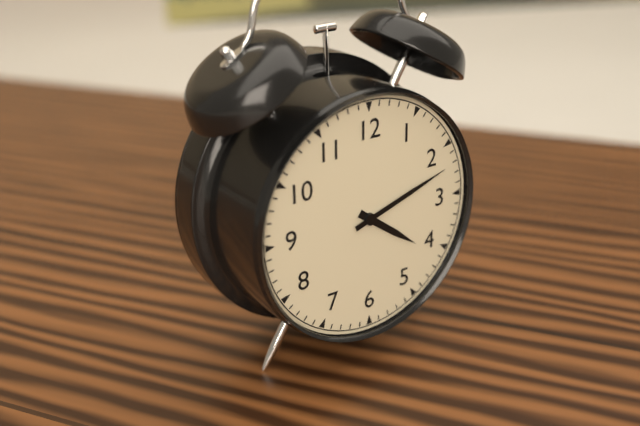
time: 4:12
